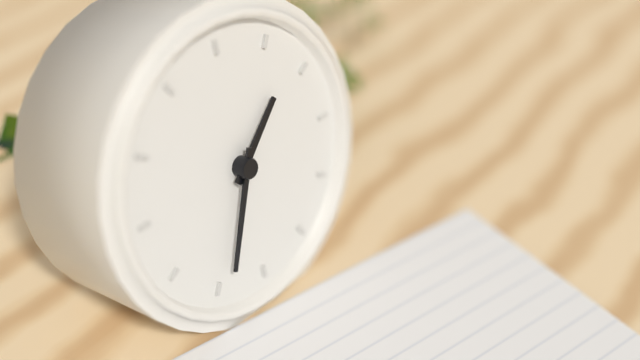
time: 1:34
